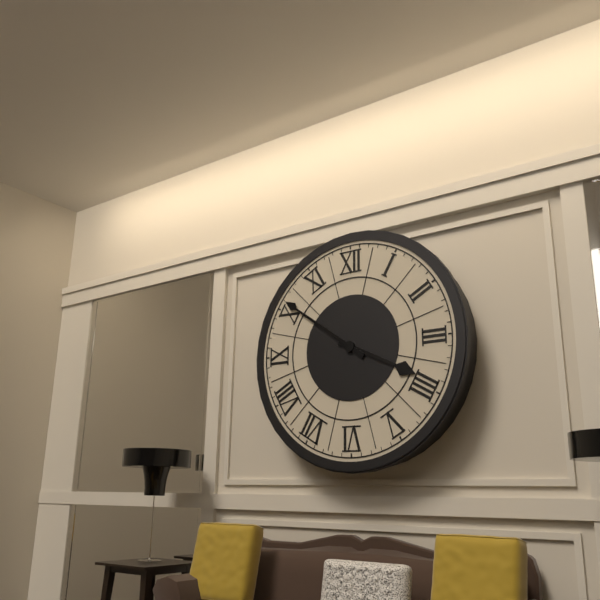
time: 3:51
